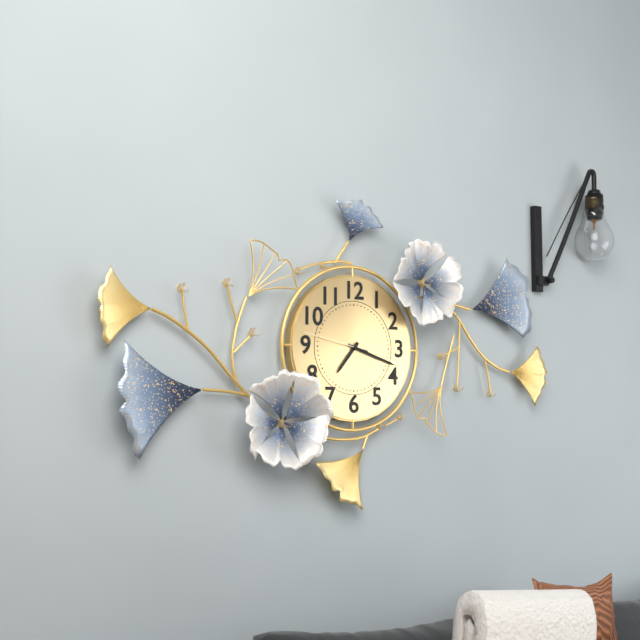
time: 7:18:47
